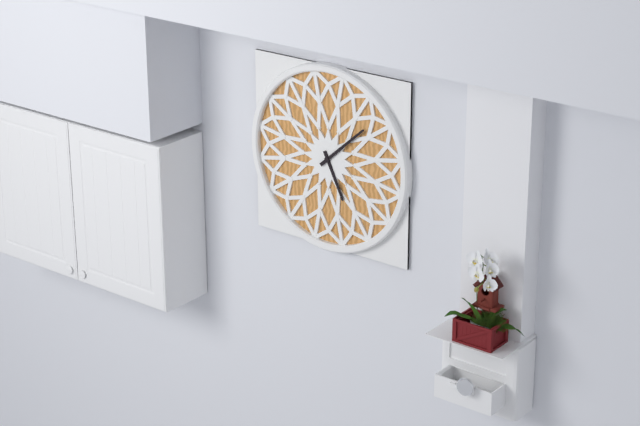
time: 5:08
